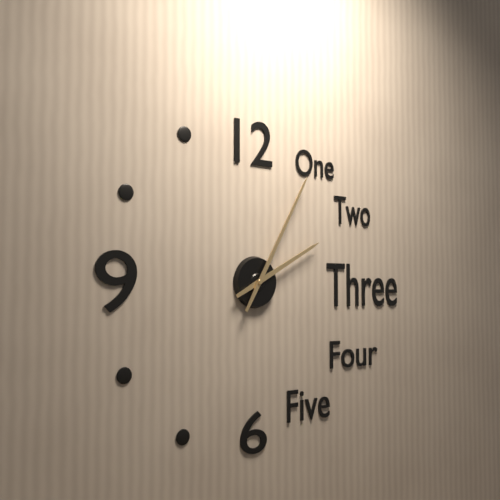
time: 2:05
